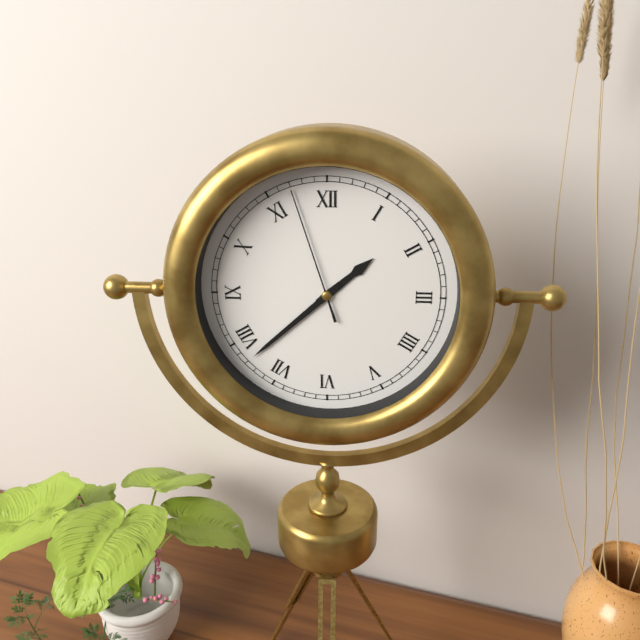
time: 1:38:57
